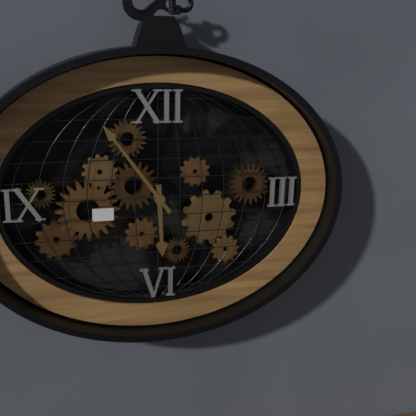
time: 5:54
